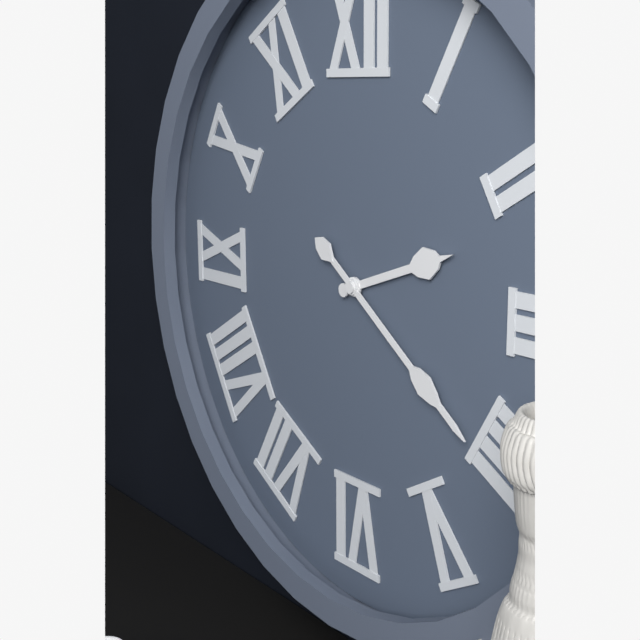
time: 2:21
